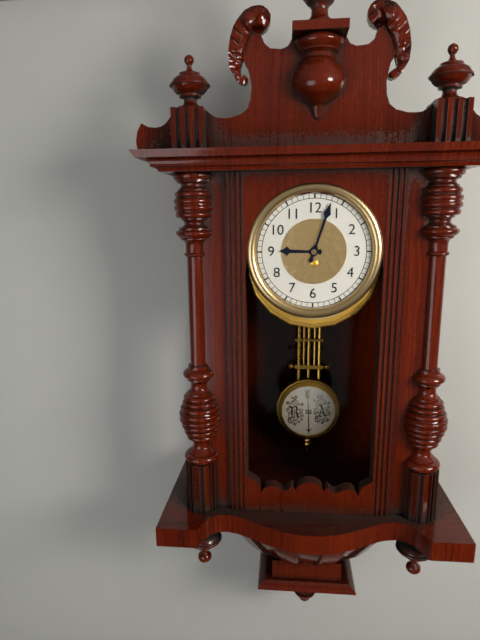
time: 9:03
